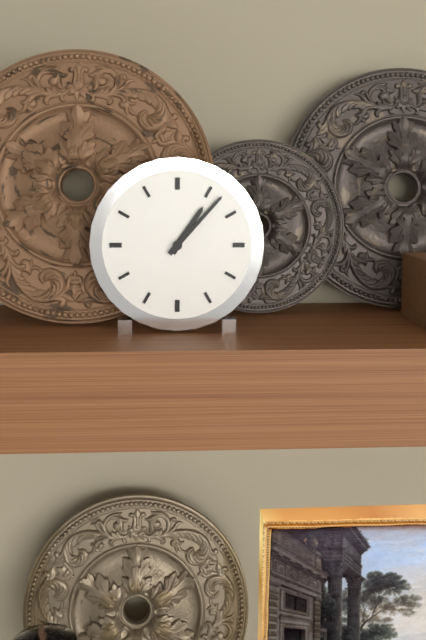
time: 1:07
